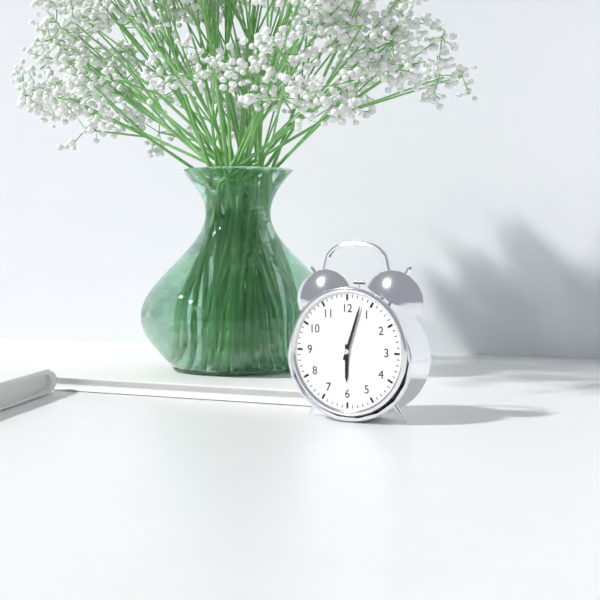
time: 6:03
